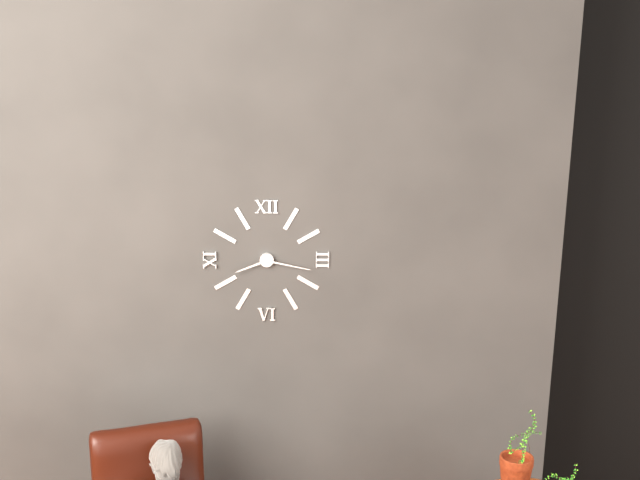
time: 8:17
